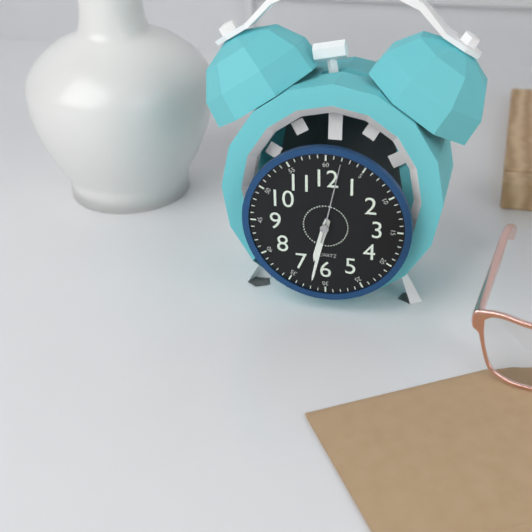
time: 6:32:02
